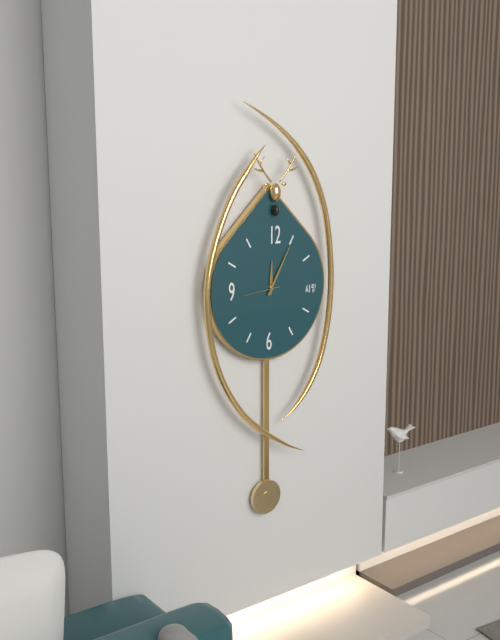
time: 12:05
